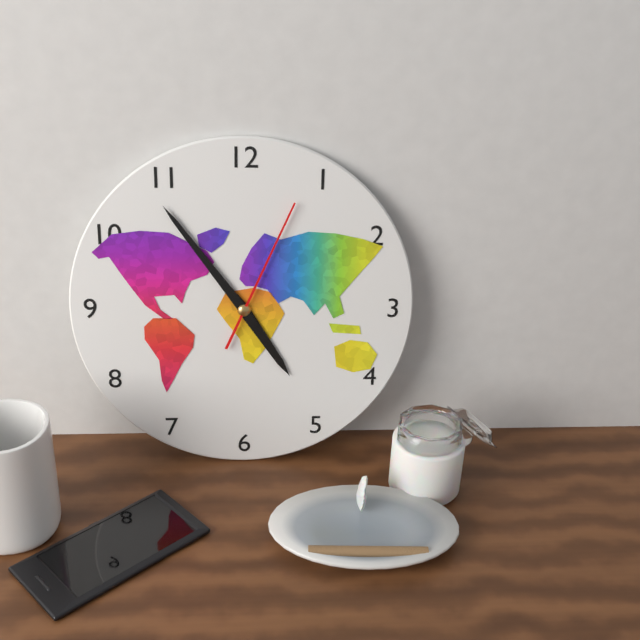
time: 4:54:04
